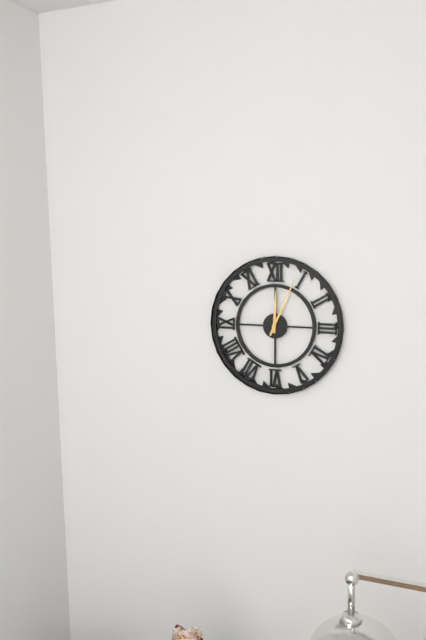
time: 12:04
